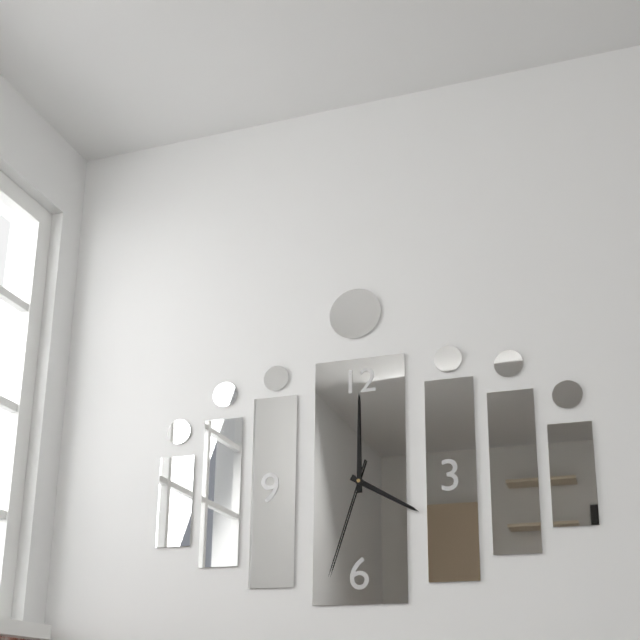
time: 4:00:33
